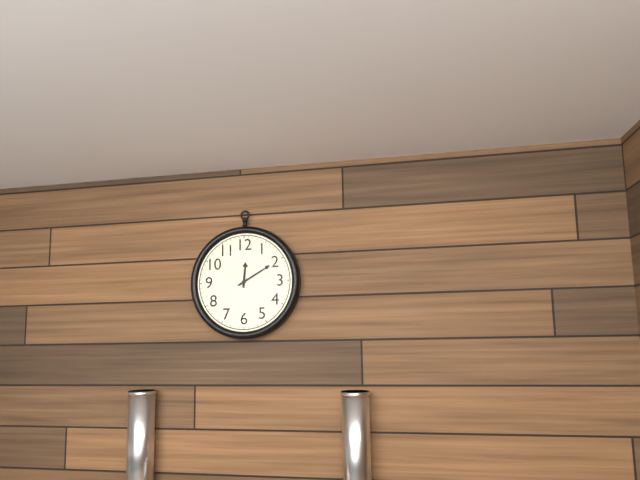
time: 12:10
